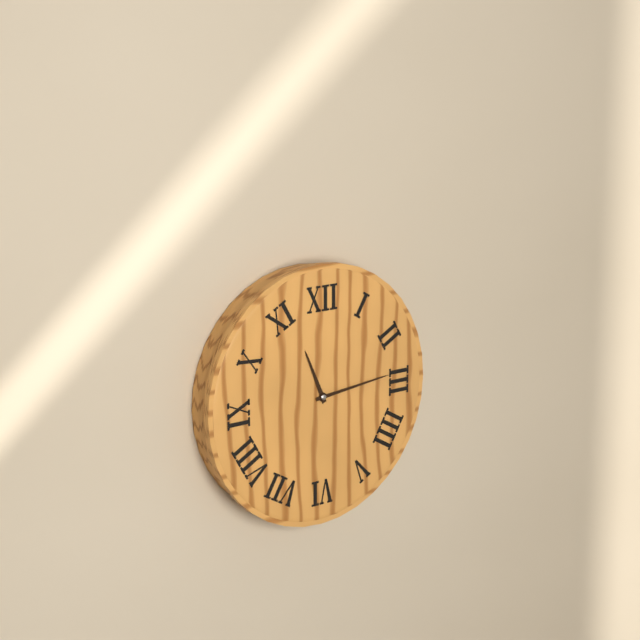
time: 11:14
